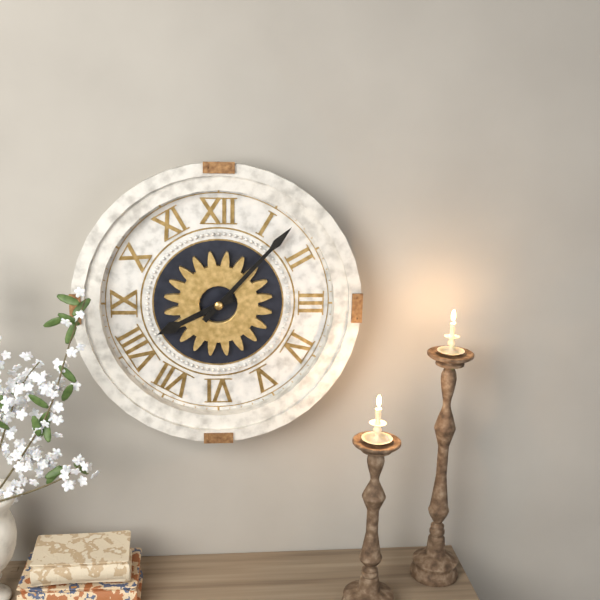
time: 8:07
